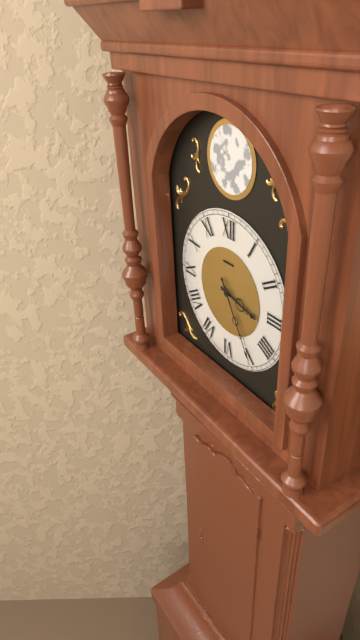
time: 3:25
